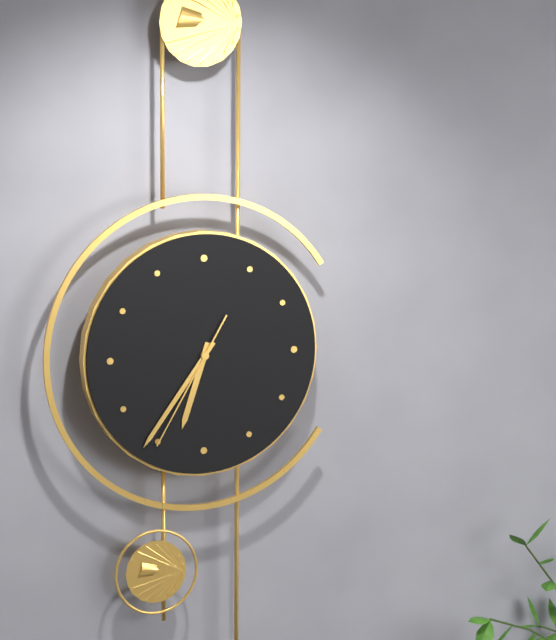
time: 6:36:35
